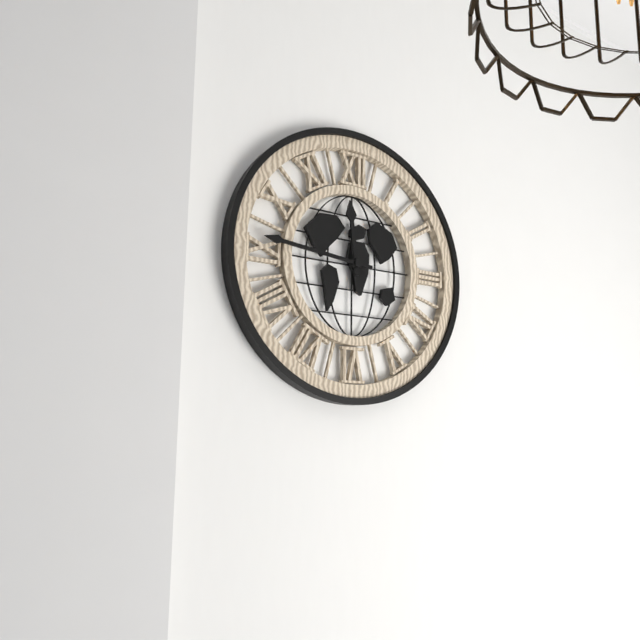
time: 11:46
